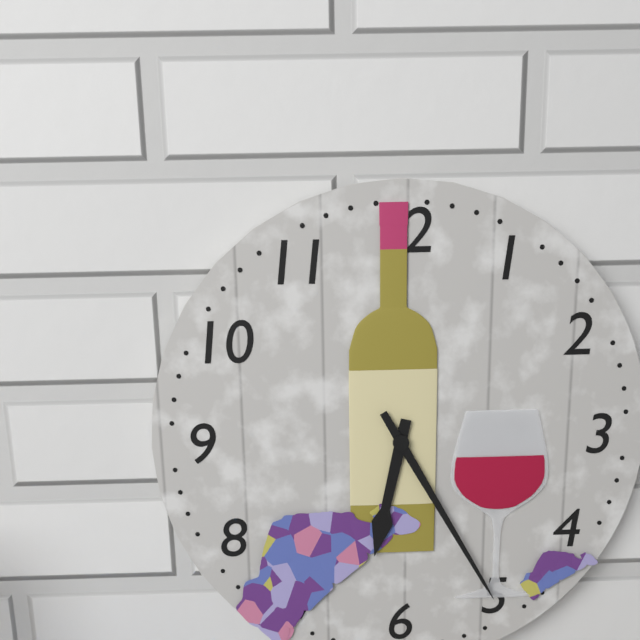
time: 6:25
